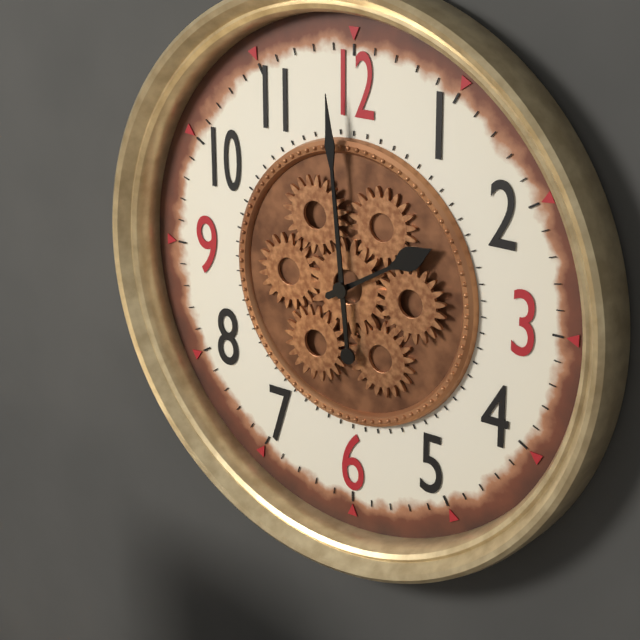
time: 1:59
